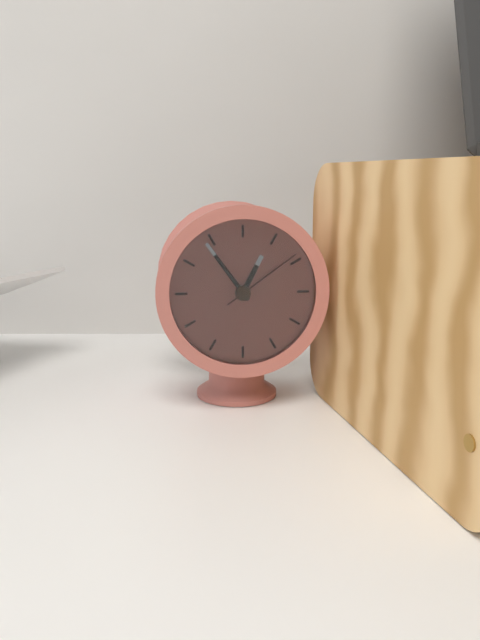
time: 12:54:09
